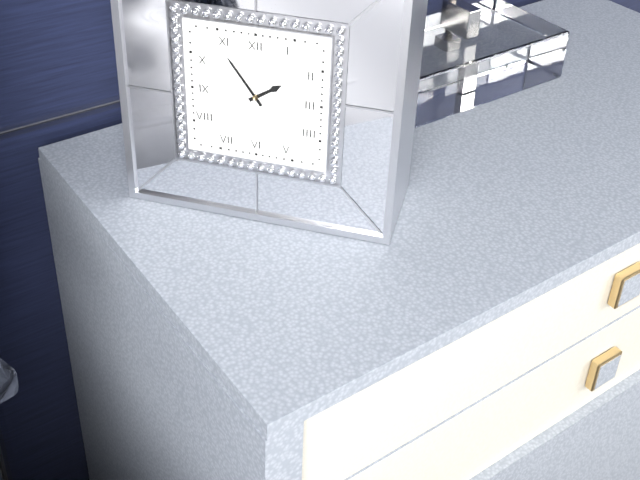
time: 1:54
